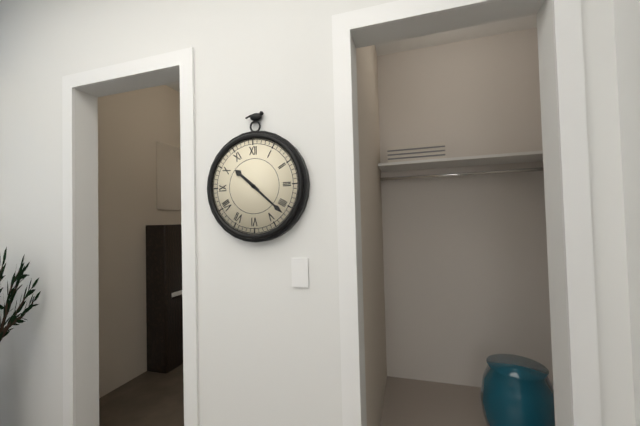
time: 10:22
